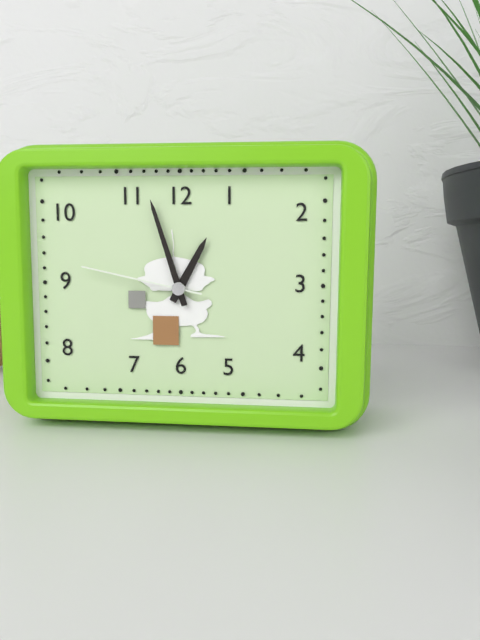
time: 12:57:47
